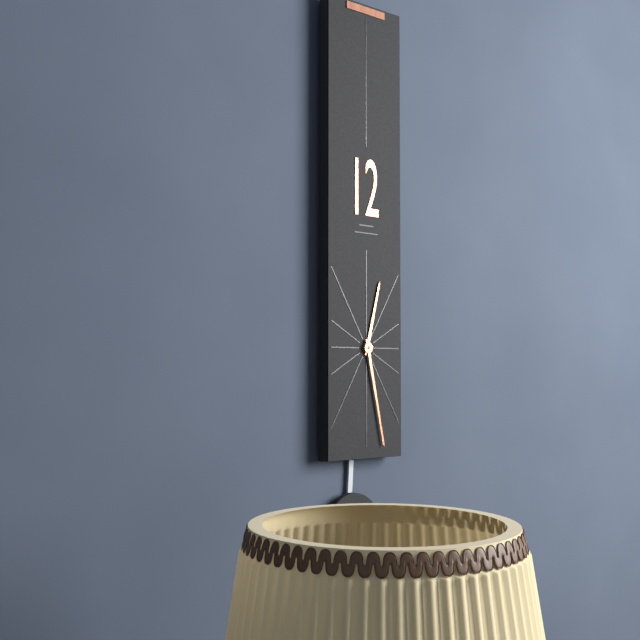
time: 12:28
